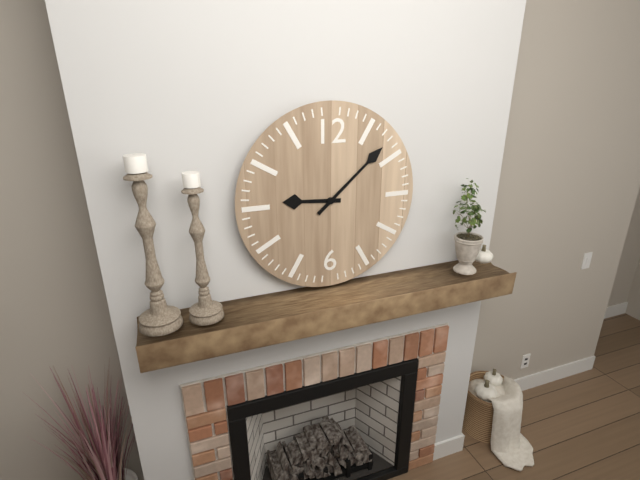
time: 9:08
